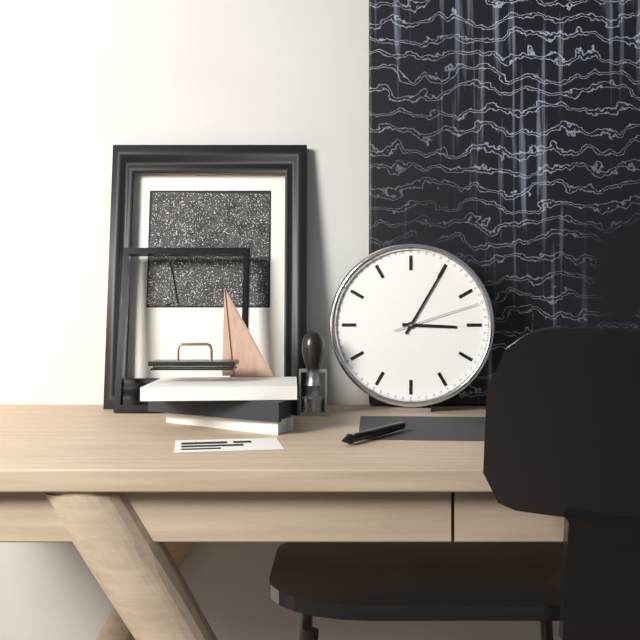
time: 3:05:12
